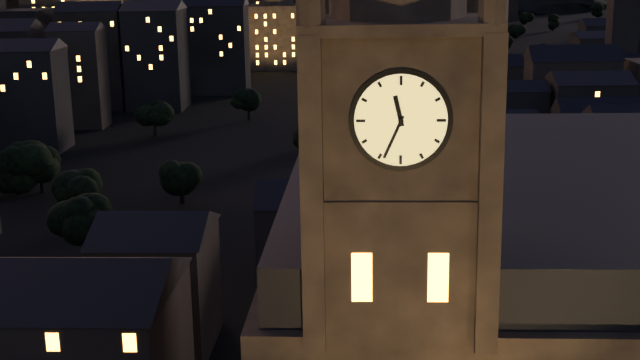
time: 11:34
